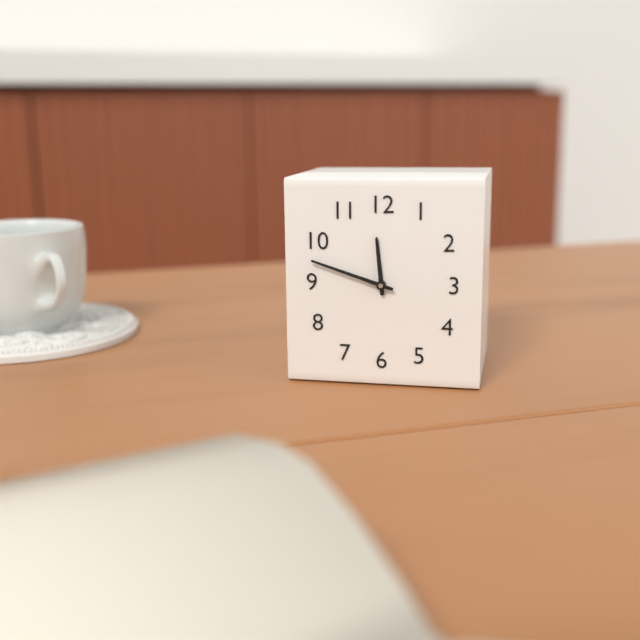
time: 11:48
